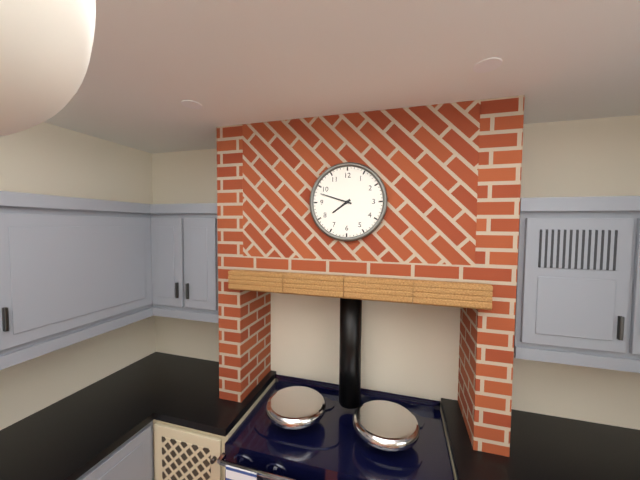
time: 7:48
